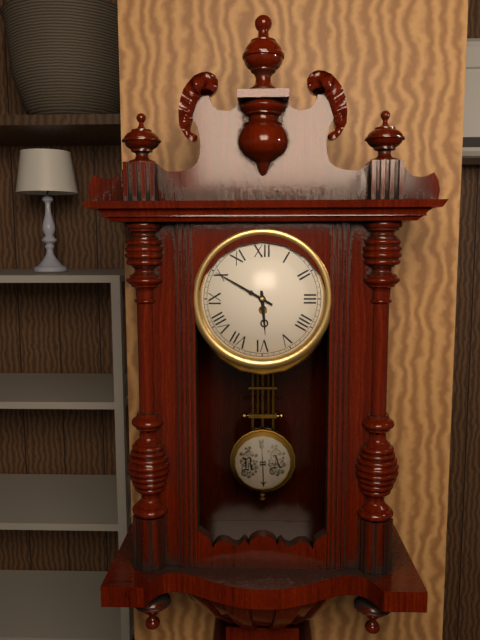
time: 5:50
